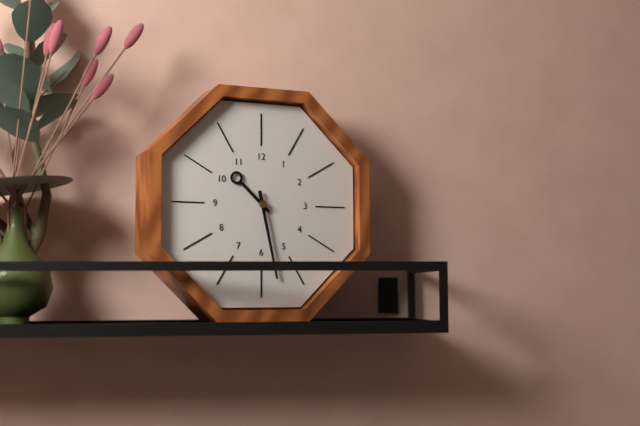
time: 10:28
